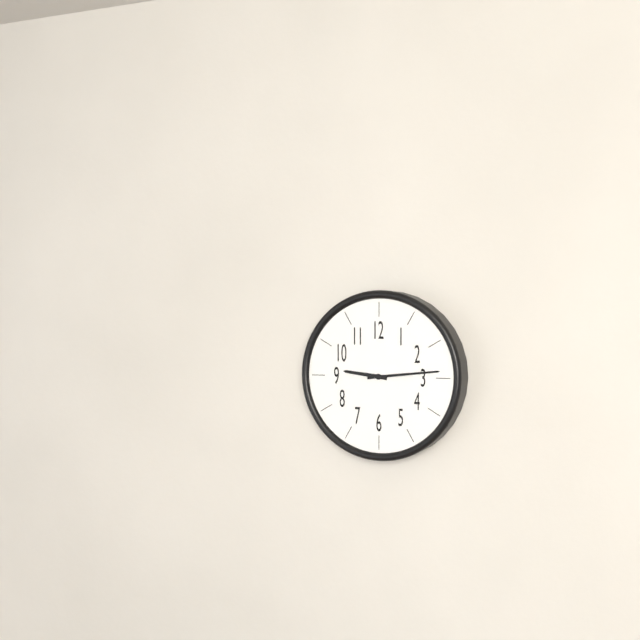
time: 9:14
